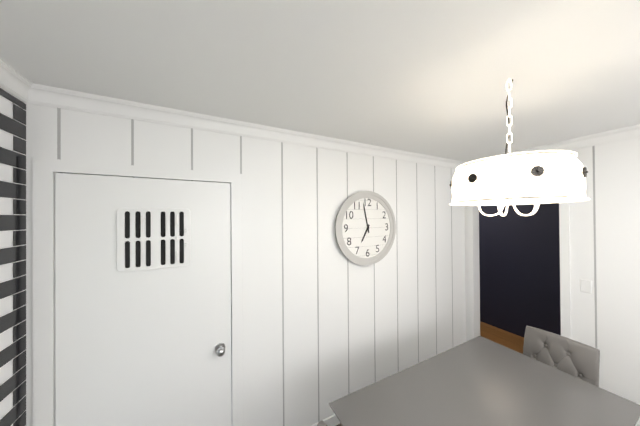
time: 6:58
